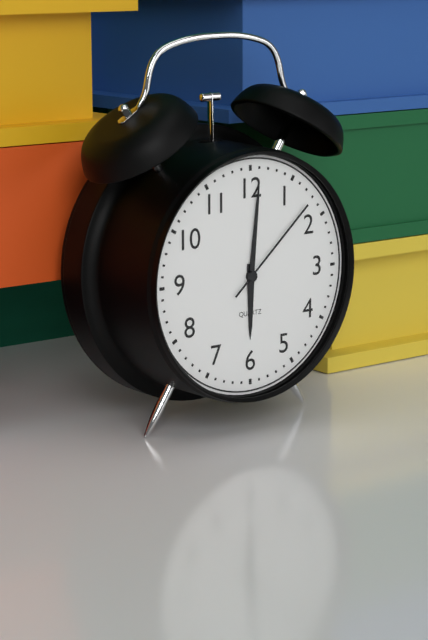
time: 6:01:08
